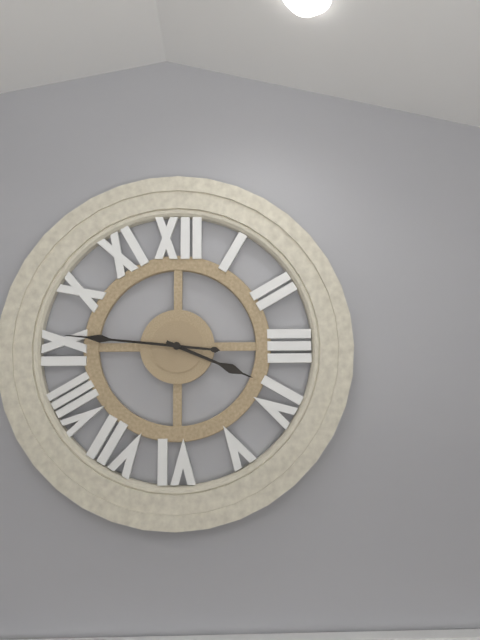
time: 3:46
